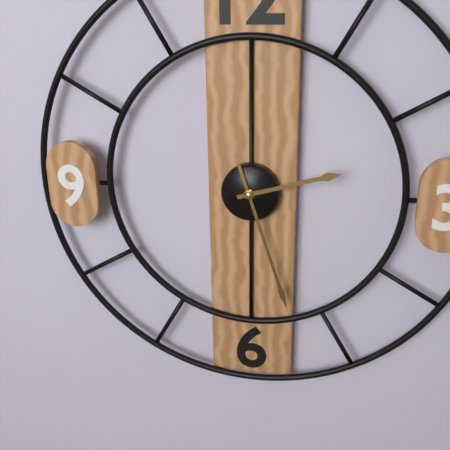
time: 2:27
